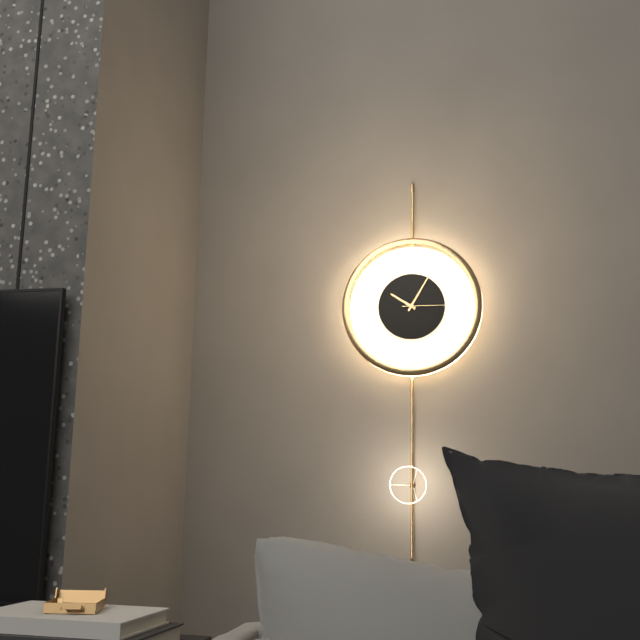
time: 10:05
